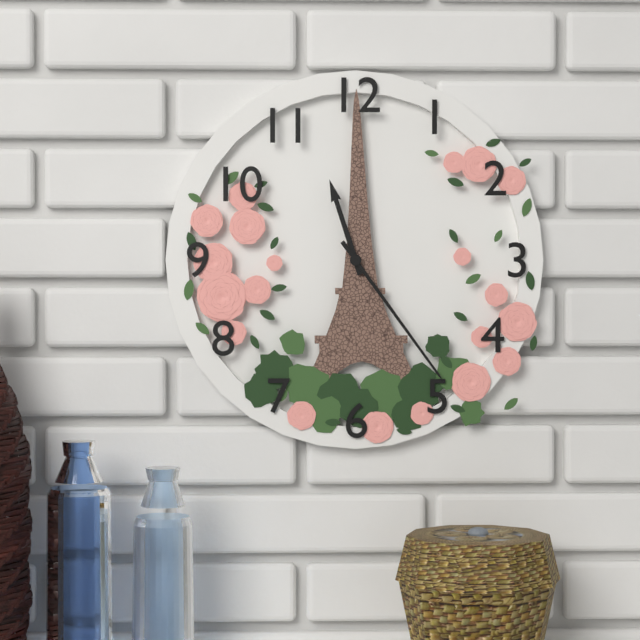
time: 11:24
